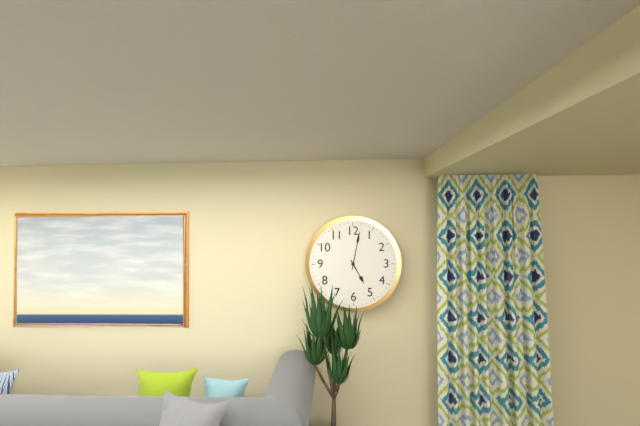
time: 5:02
